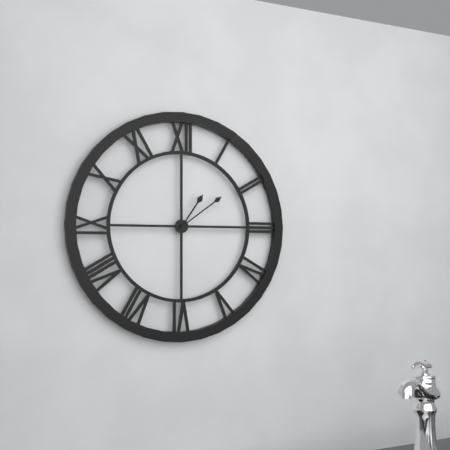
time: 1:09
